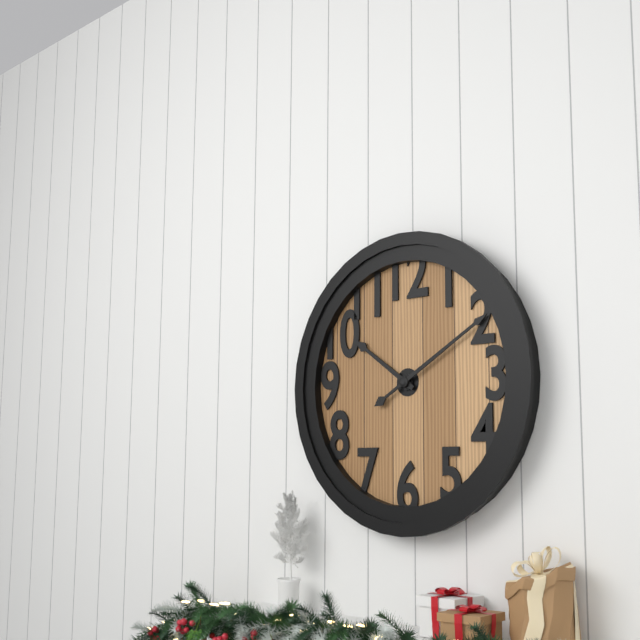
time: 10:10
